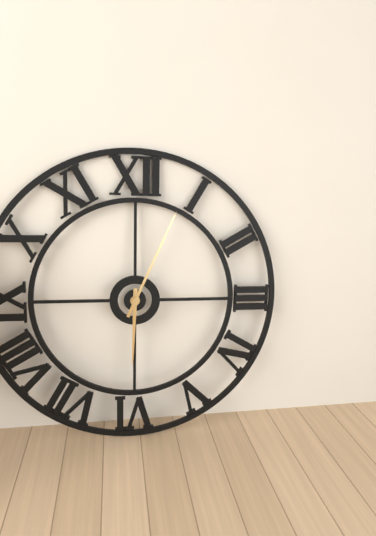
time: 6:04
